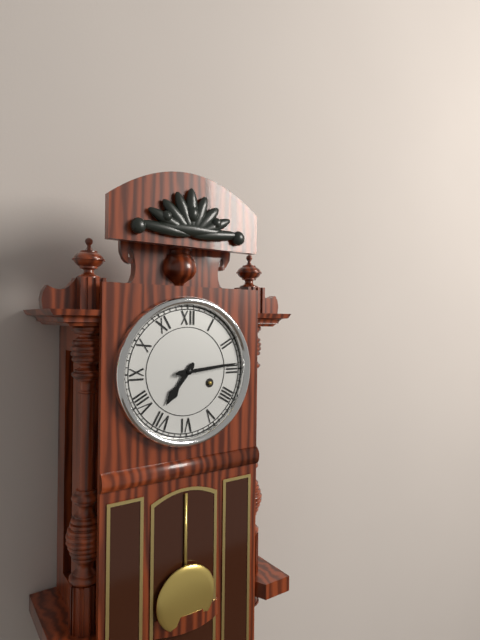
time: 7:14
